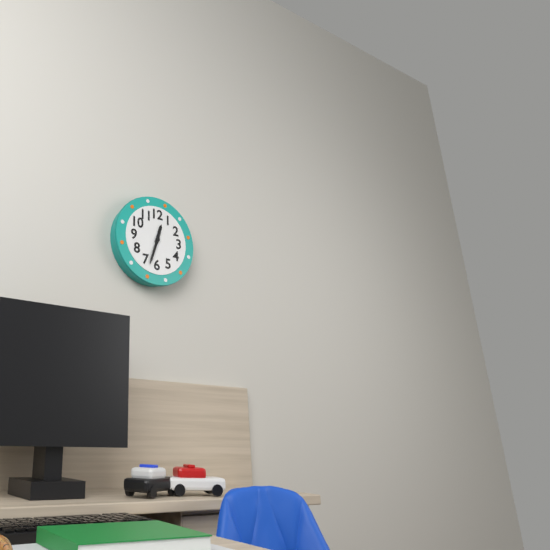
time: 12:33
